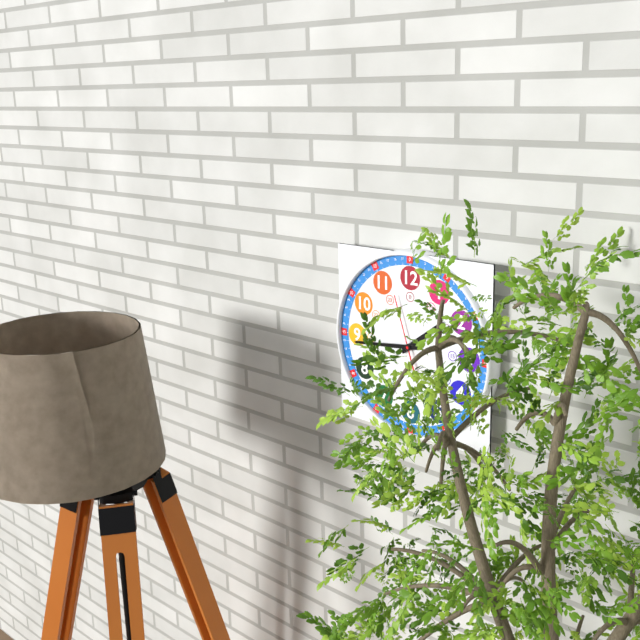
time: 1:44:57
